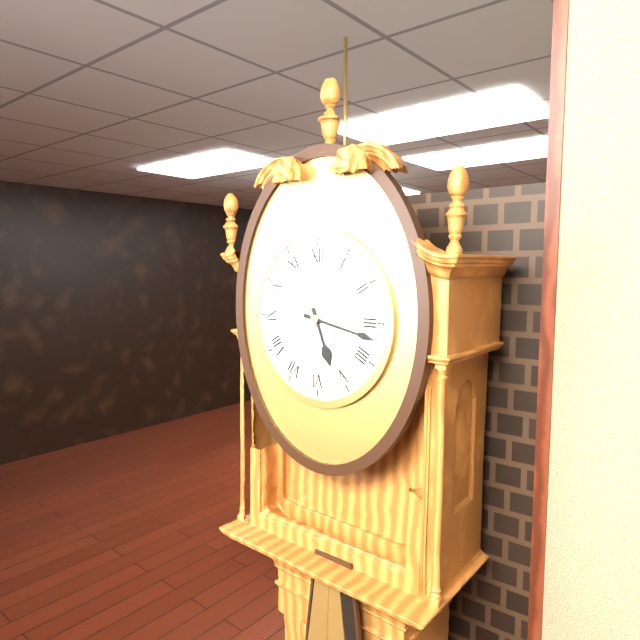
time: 5:17
